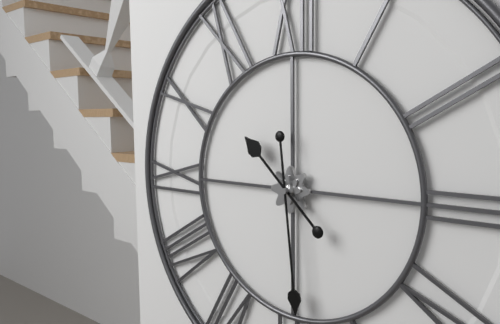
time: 10:29
